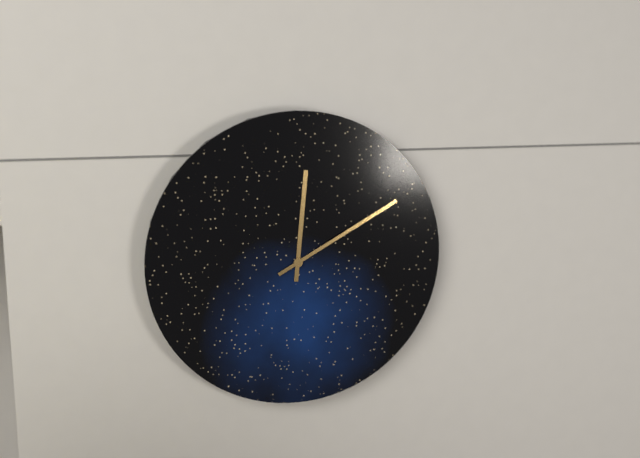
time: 12:10
